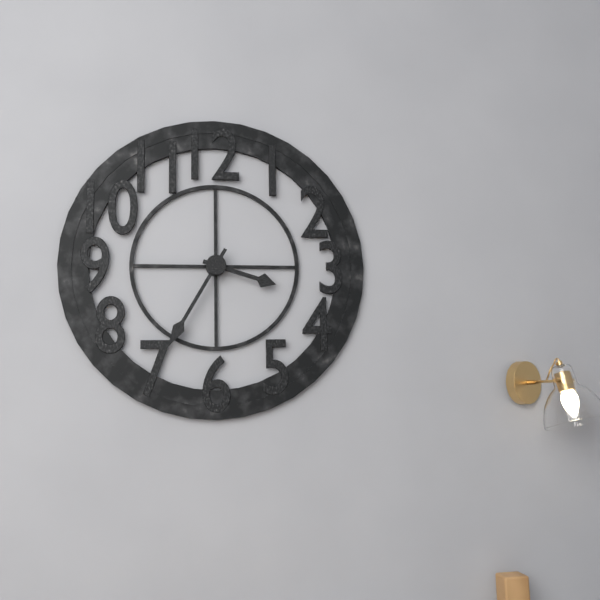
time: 3:35
